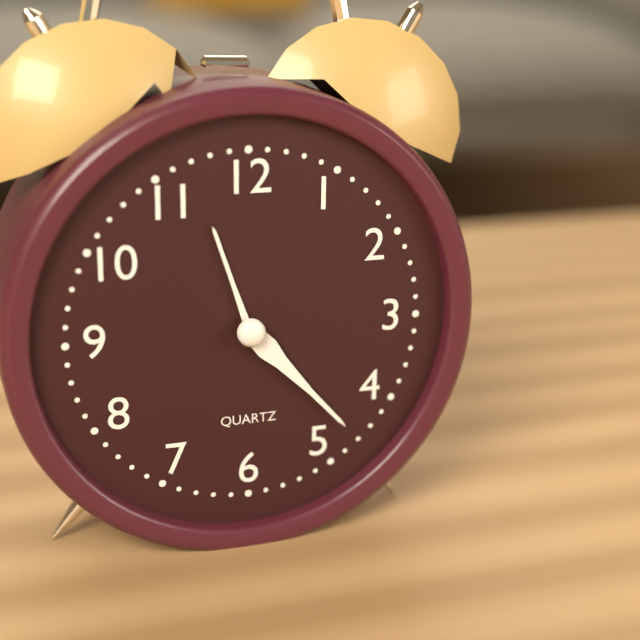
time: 11:23
